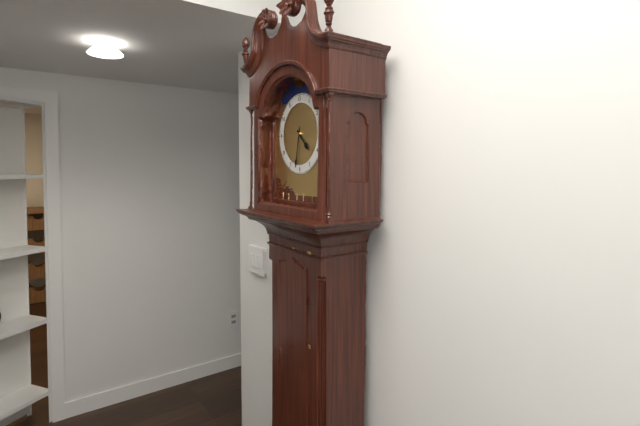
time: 4:32
